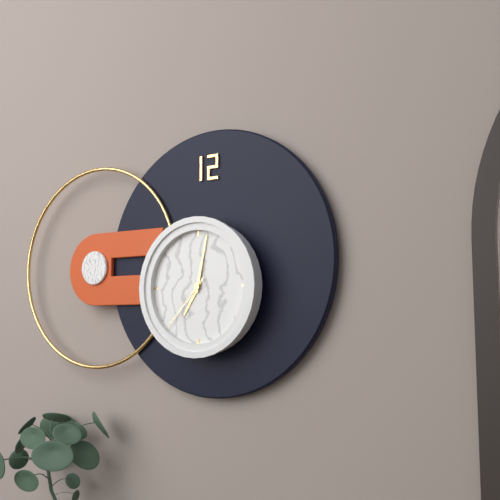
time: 7:02:37
